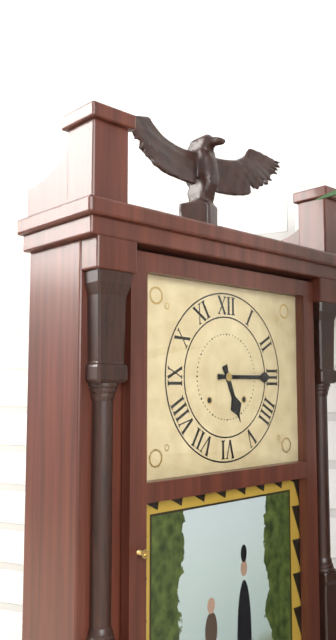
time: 5:15
